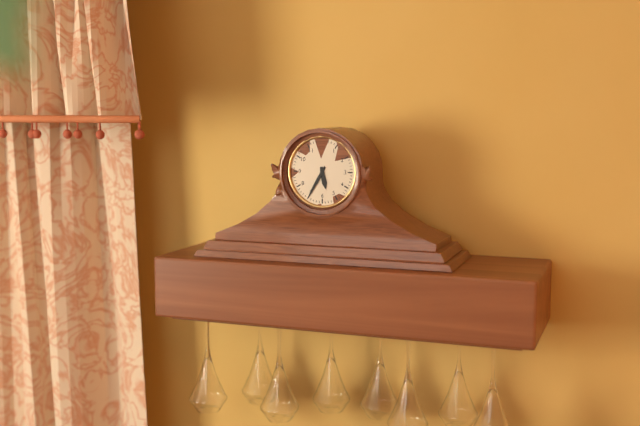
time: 5:35
